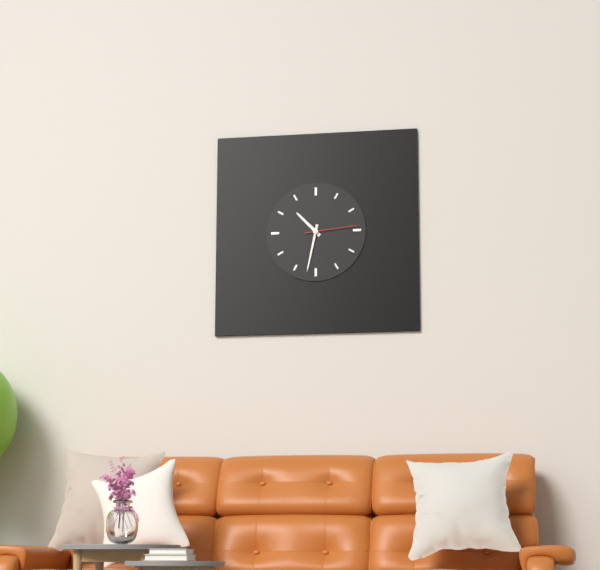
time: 10:32:14
